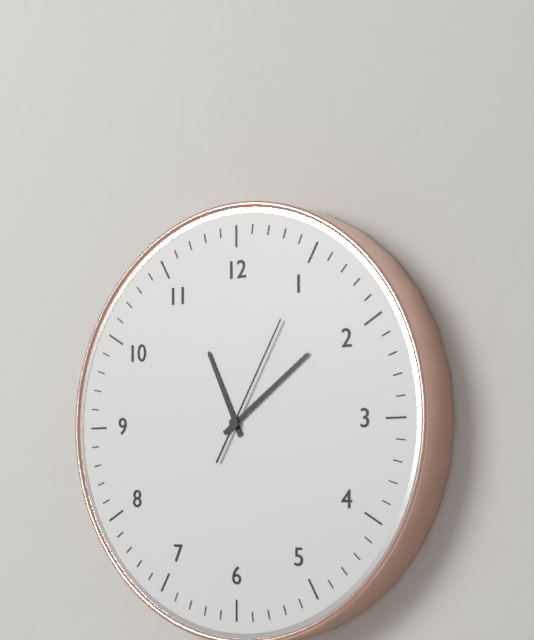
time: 11:09:05
